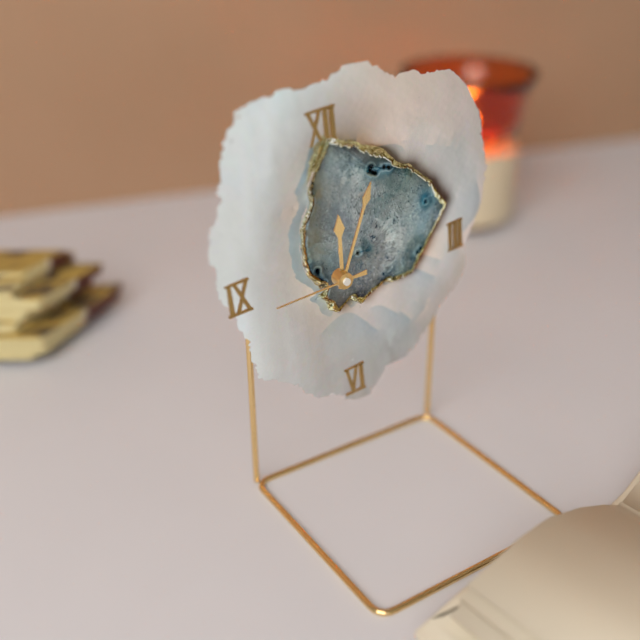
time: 12:04:45
